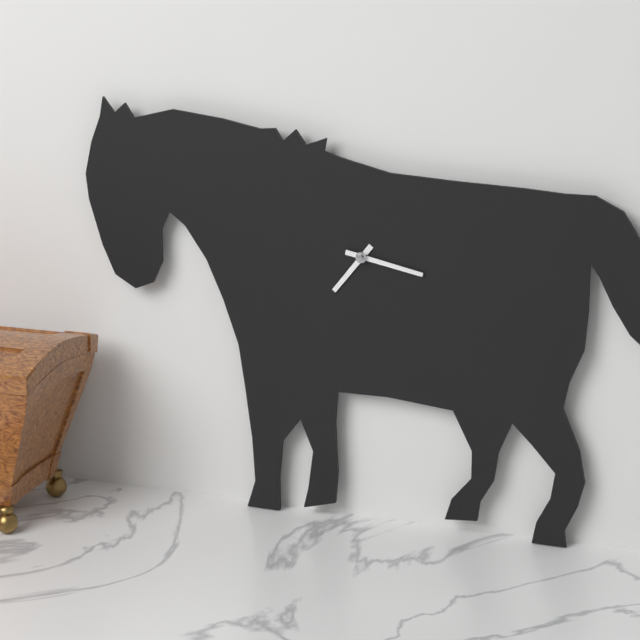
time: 7:17
